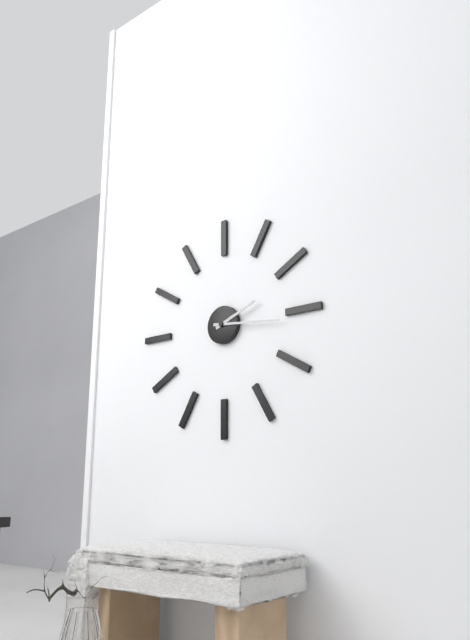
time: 2:16
